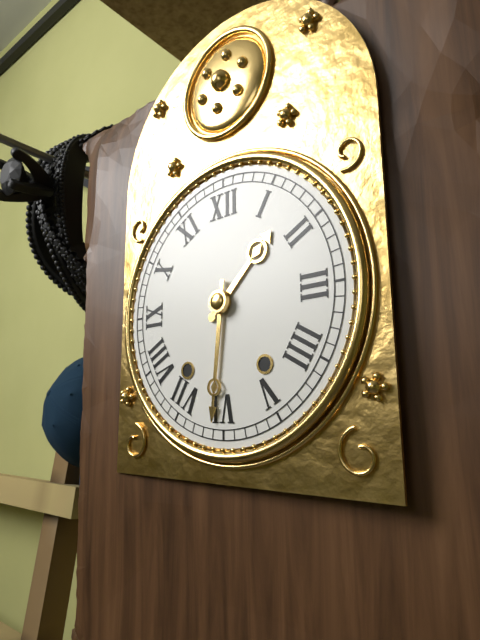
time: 1:31
